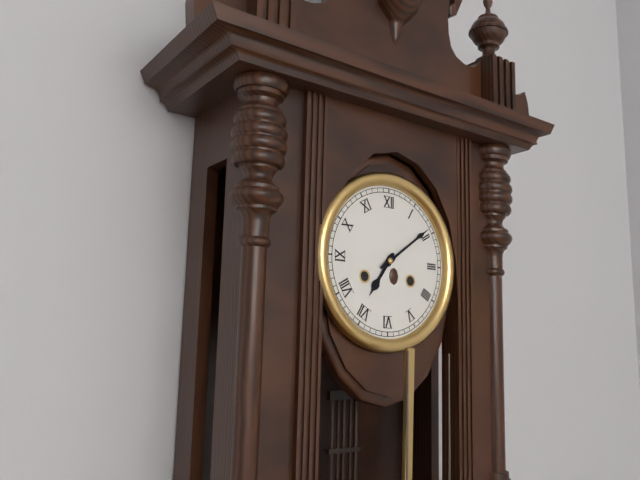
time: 7:09
